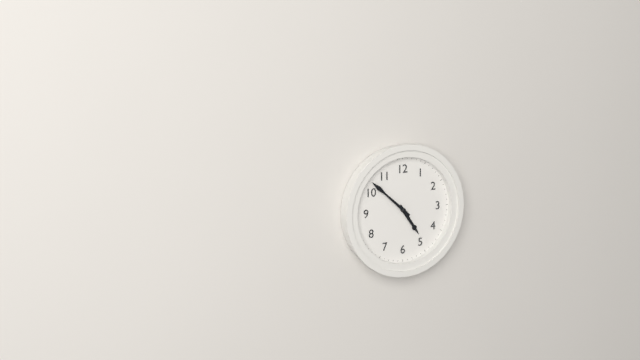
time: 4:52
